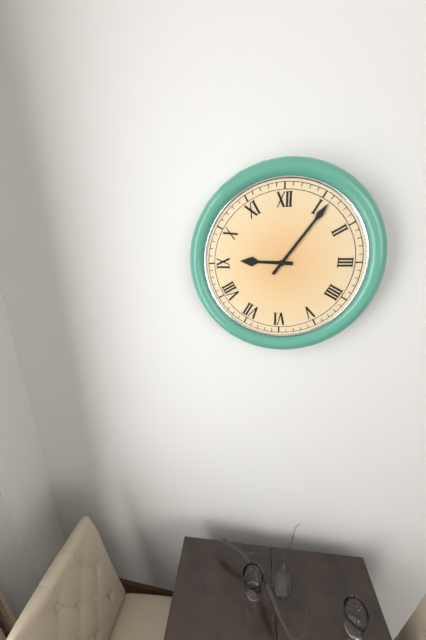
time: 9:06
